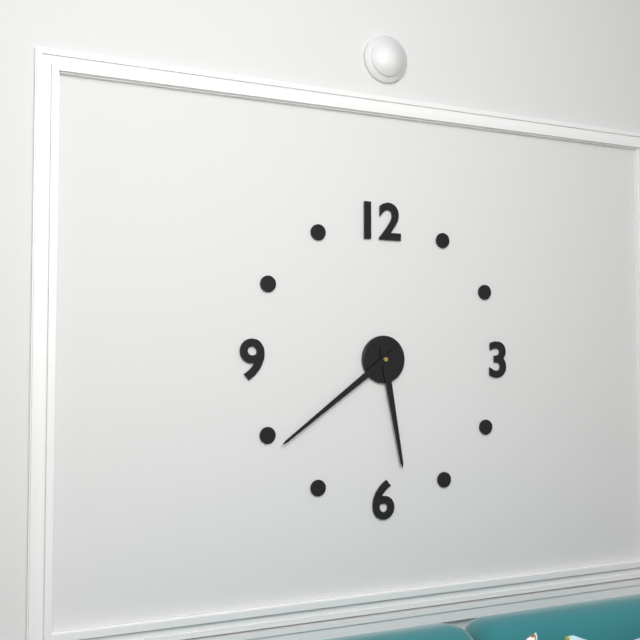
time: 5:39
